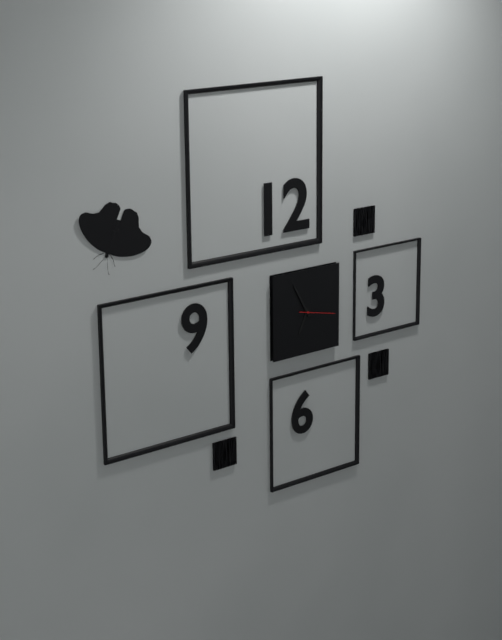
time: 6:55
